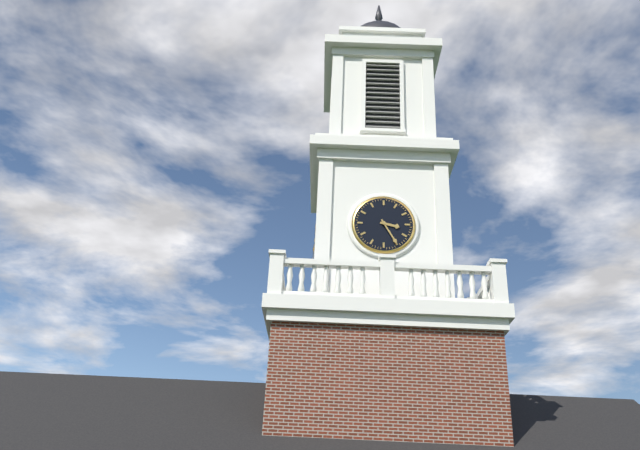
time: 3:25
